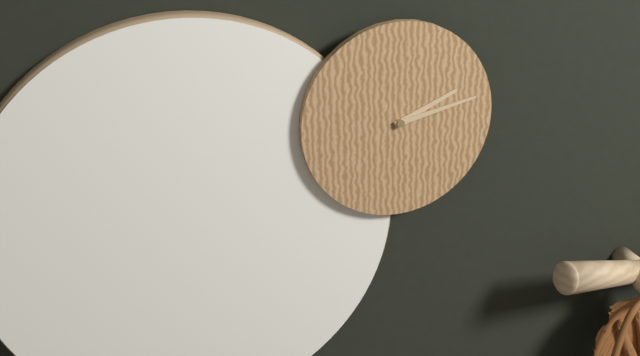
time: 2:13
